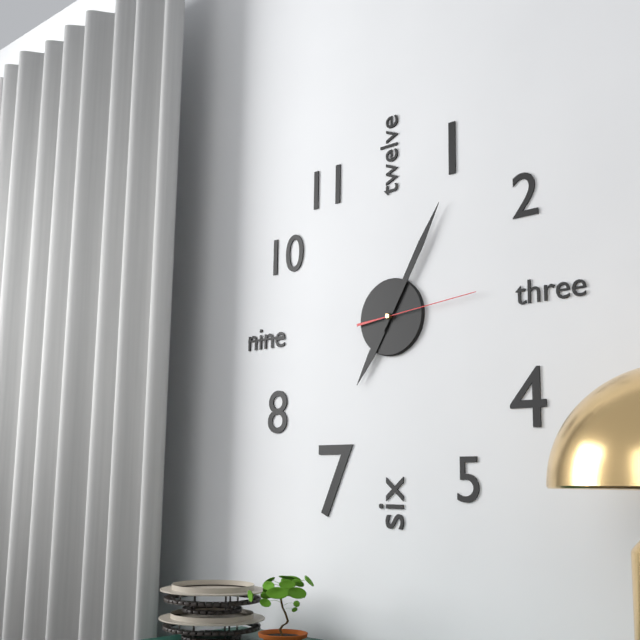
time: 7:05:14
